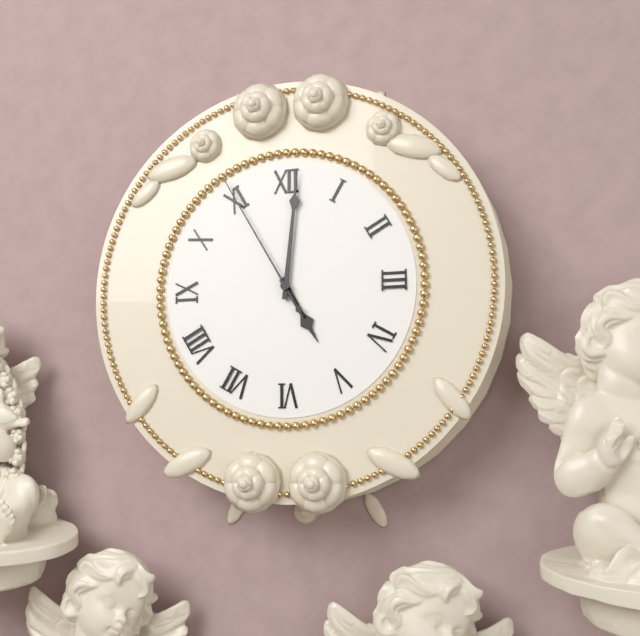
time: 5:01:55
